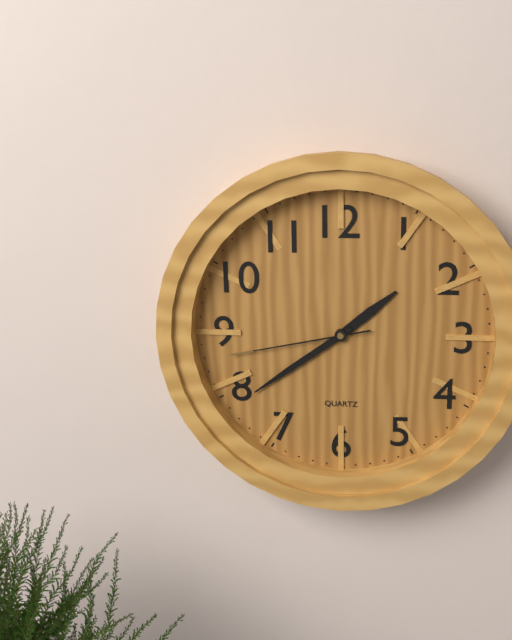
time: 1:39:43
